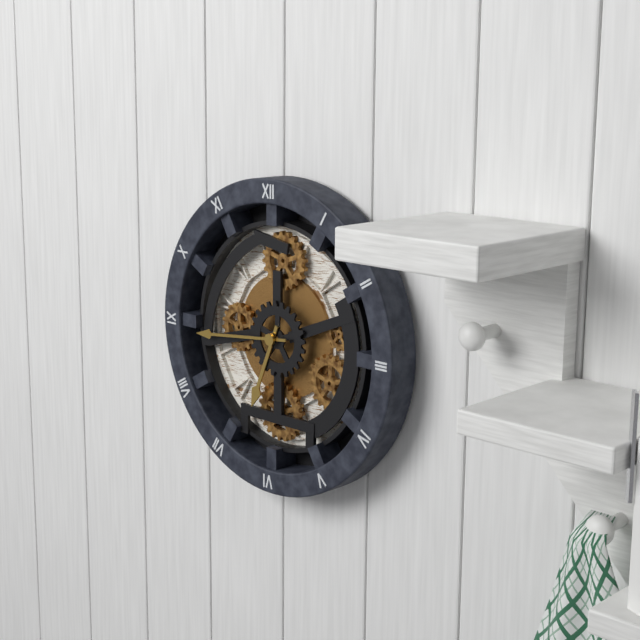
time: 6:44
